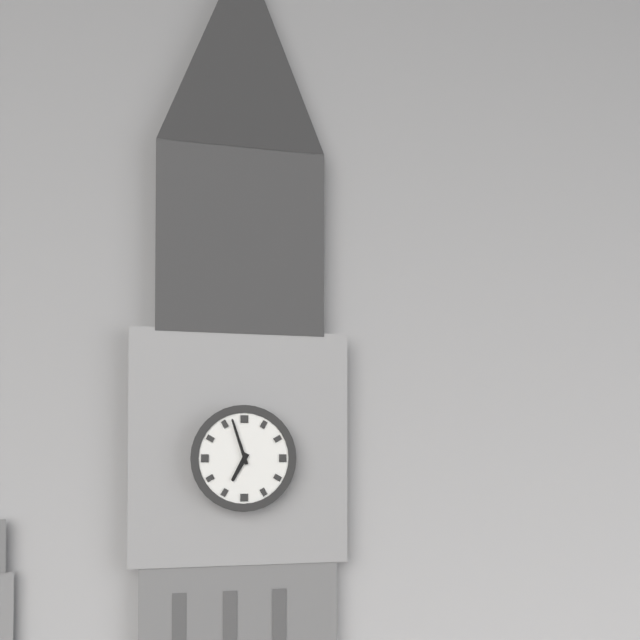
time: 6:57
